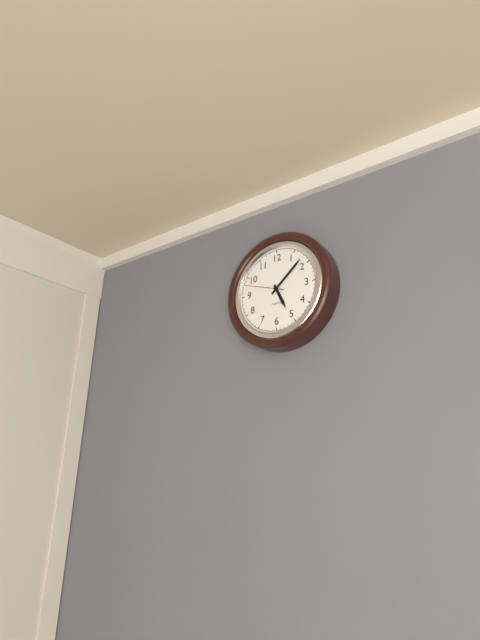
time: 5:08
